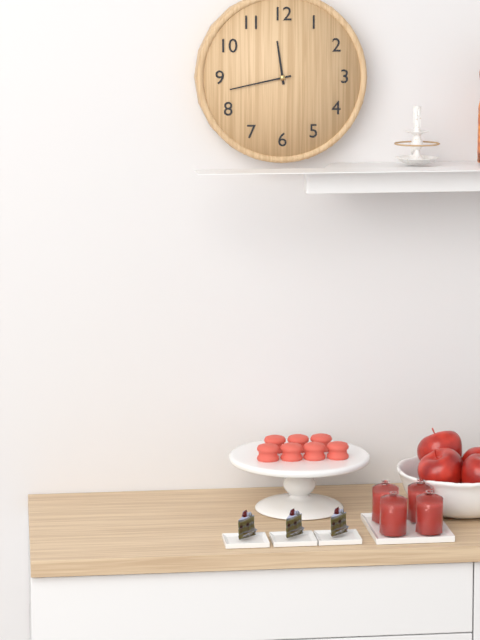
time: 11:43
